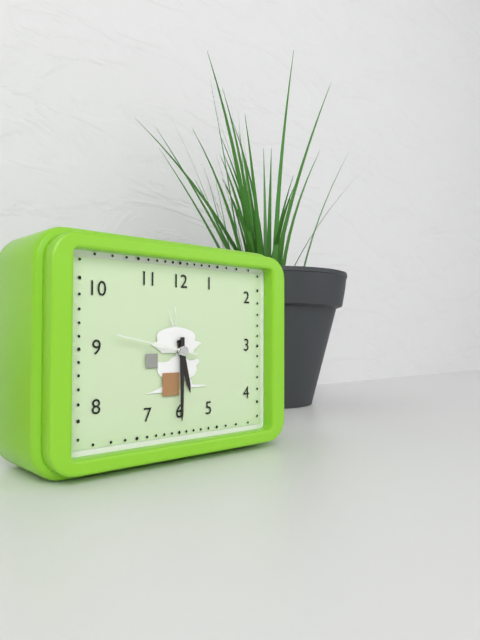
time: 5:30:47
